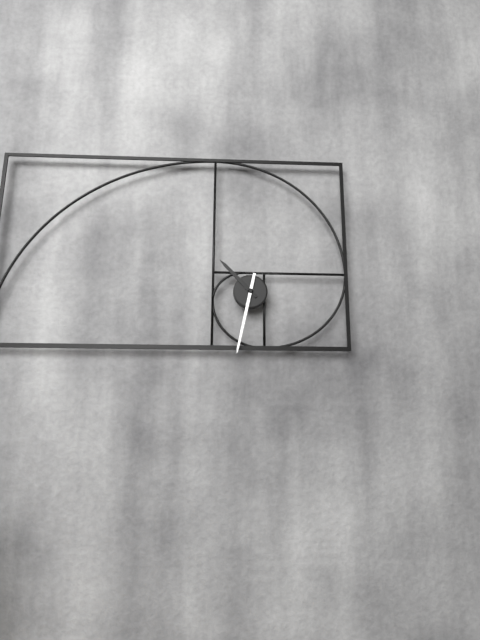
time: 10:32
